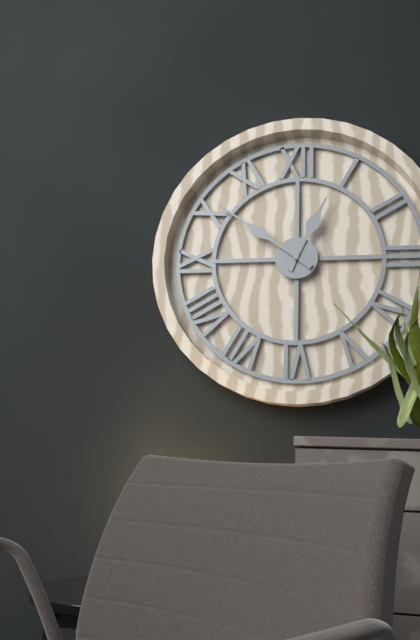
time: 12:51
